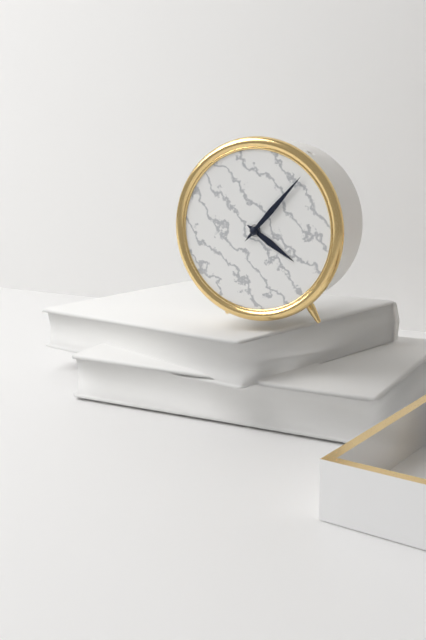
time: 4:07
